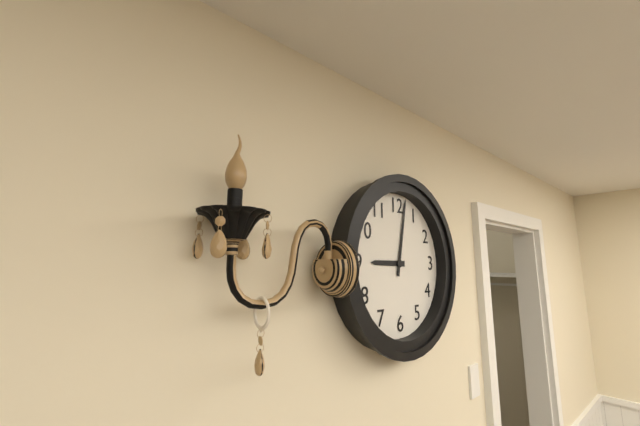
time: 9:02
